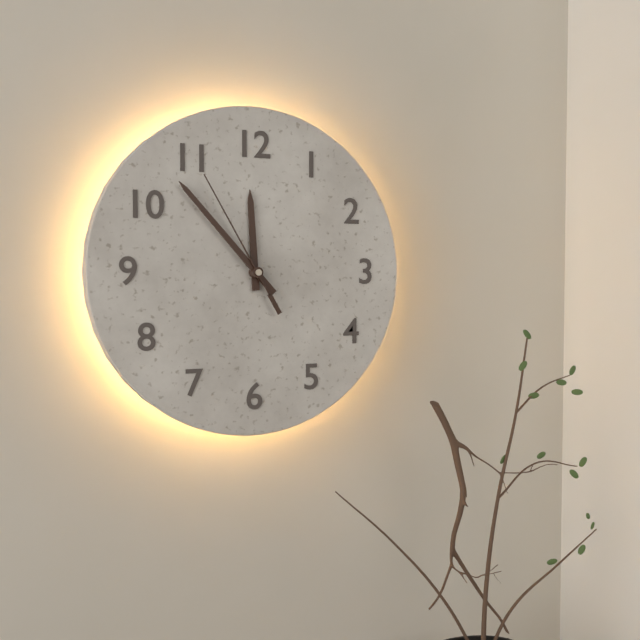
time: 11:53:55
